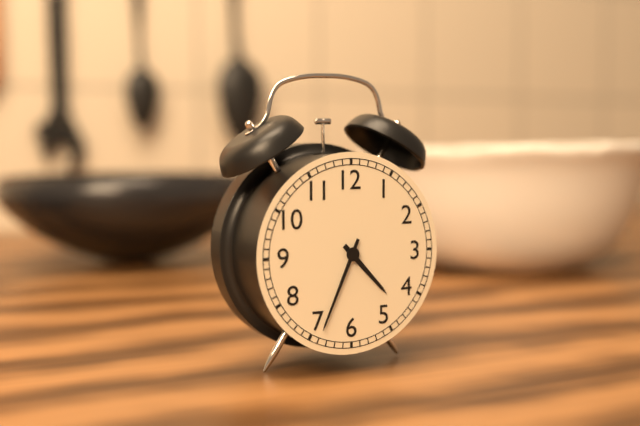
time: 4:34
